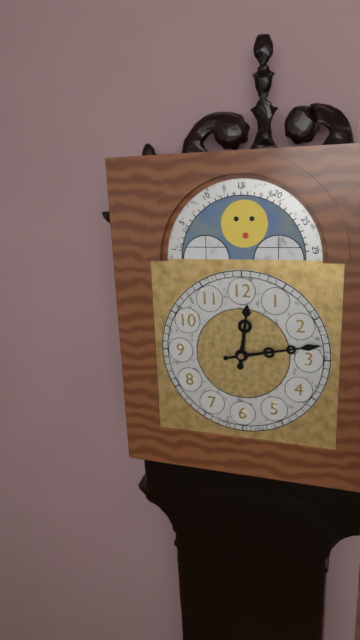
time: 12:13
